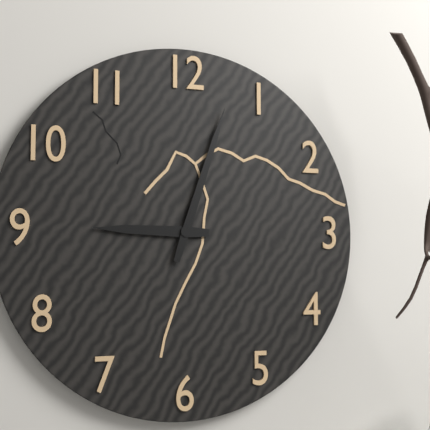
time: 9:03
